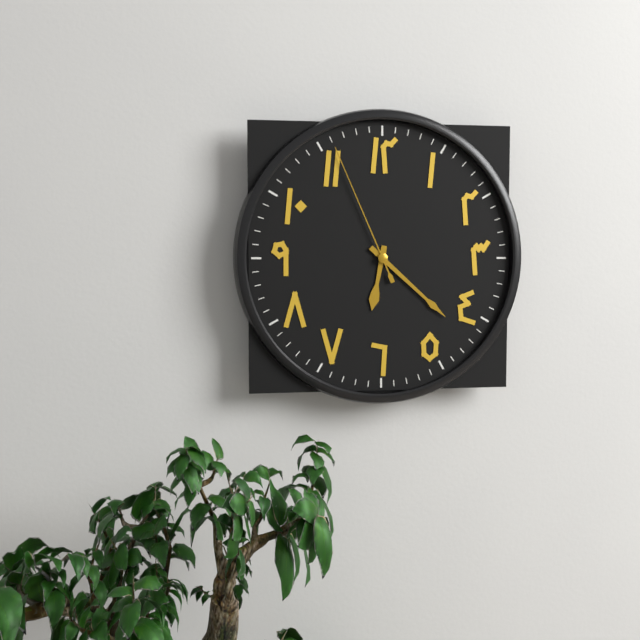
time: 6:22:56
